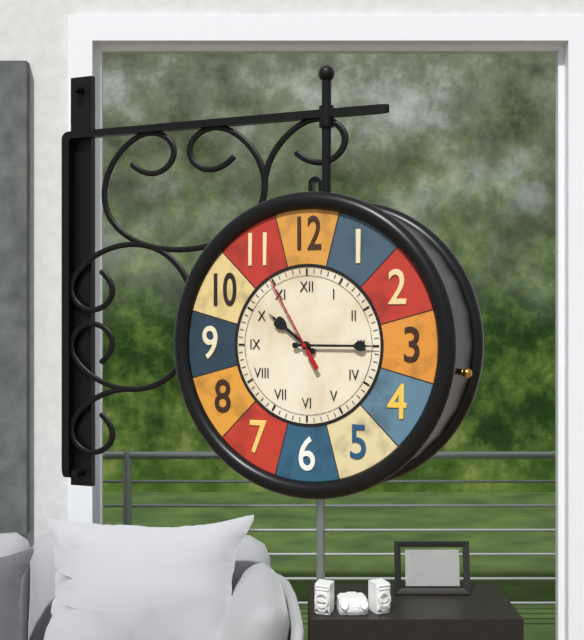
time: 10:15:55
